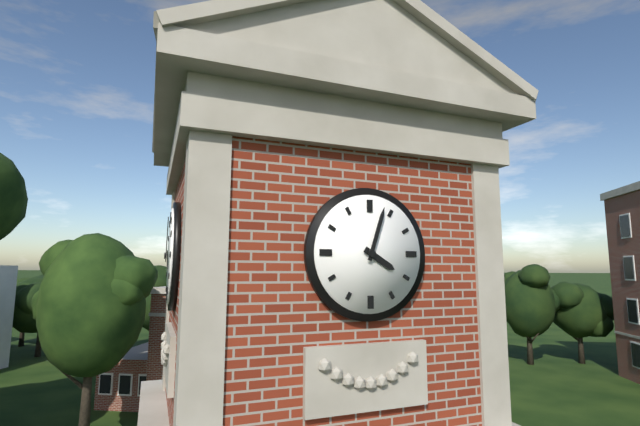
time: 4:03
